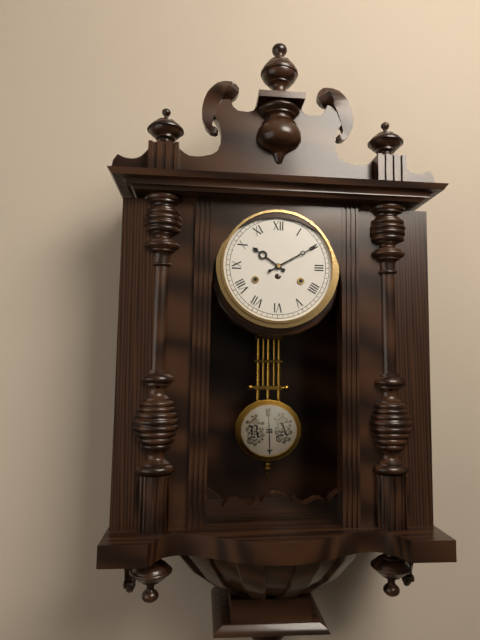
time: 10:10
